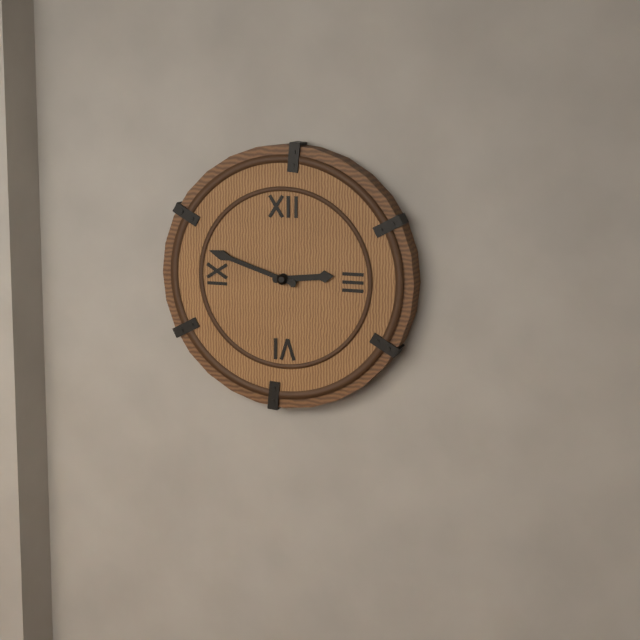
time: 2:48
